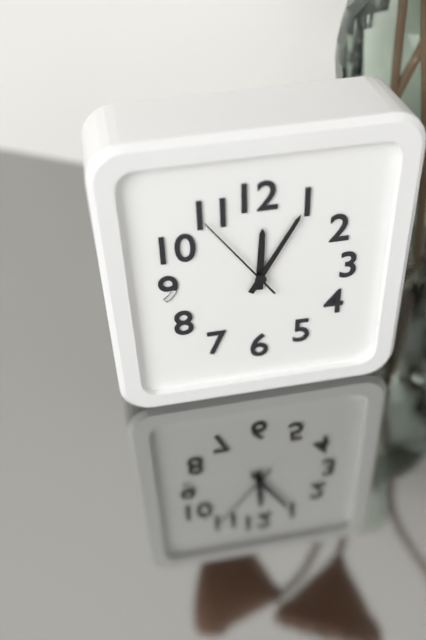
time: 12:05:54
